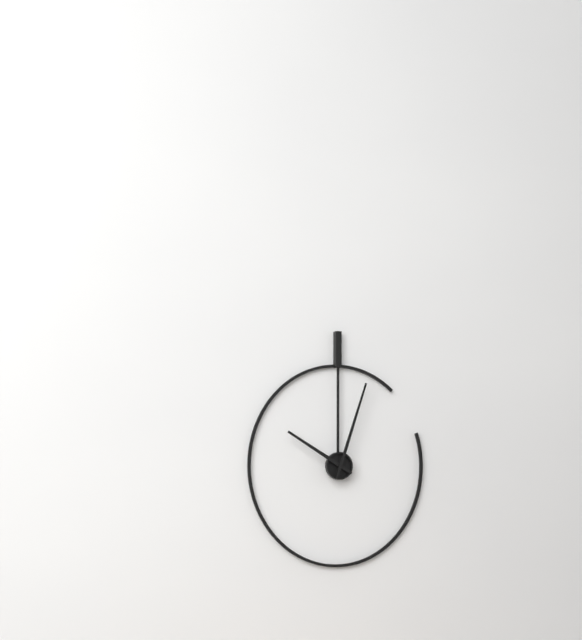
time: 10:03
